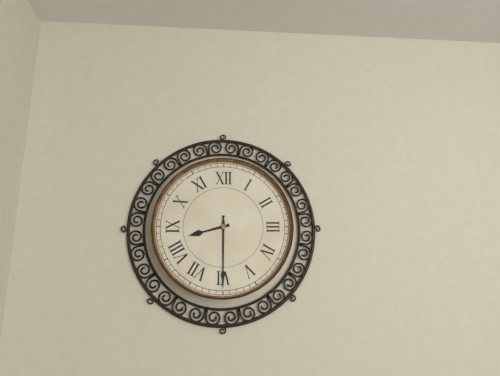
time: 8:30
